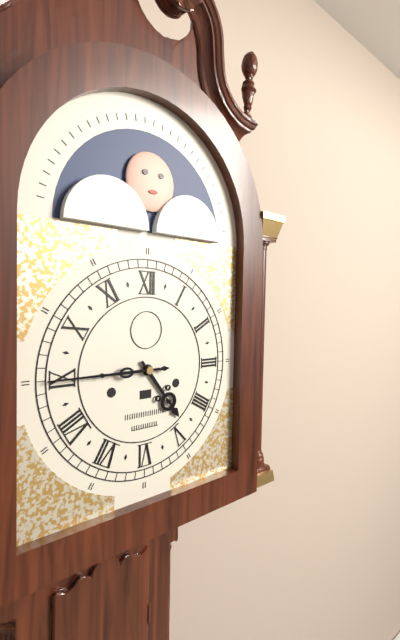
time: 4:45
